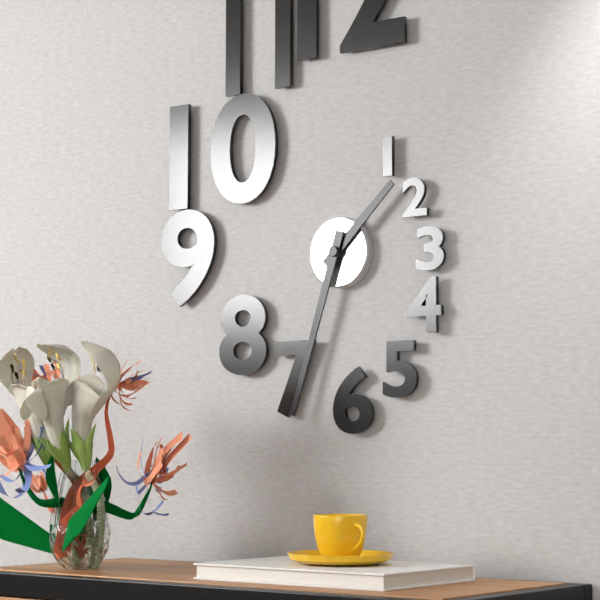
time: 1:33
